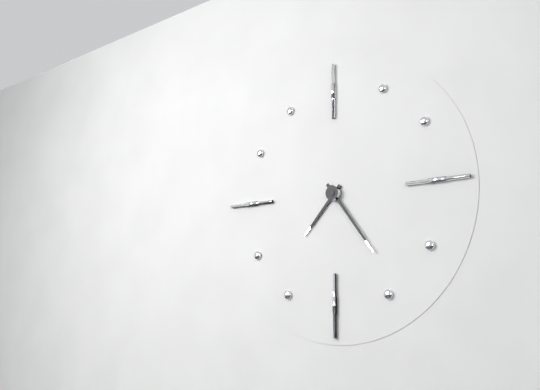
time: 7:24
